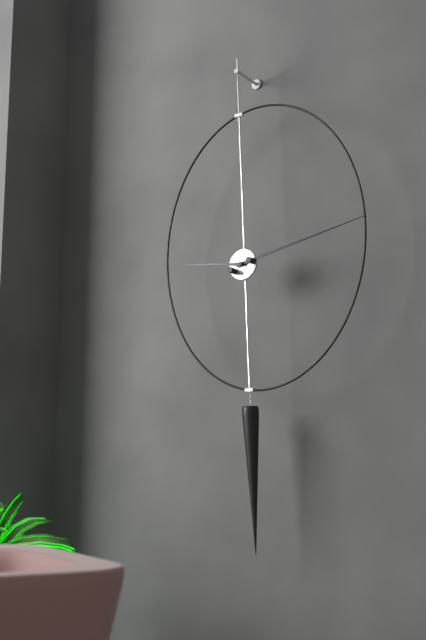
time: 9:13
